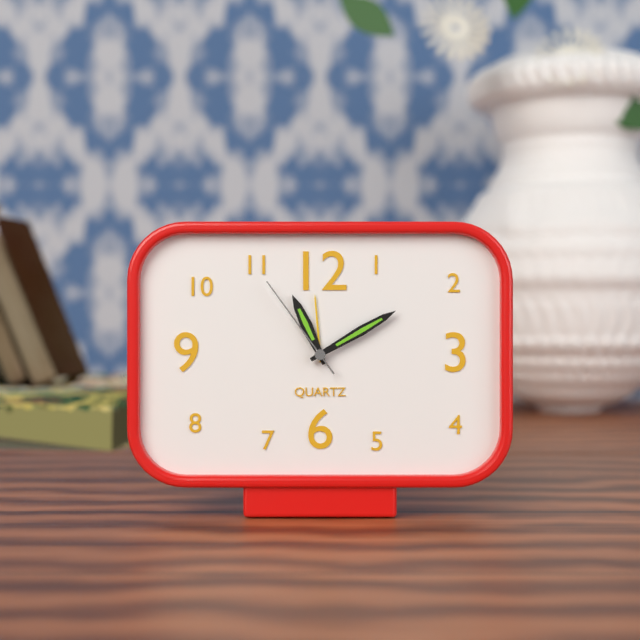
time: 11:10:54
